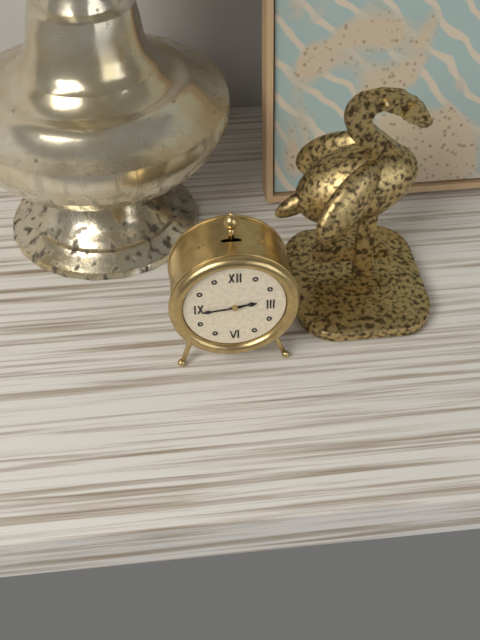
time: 2:44
